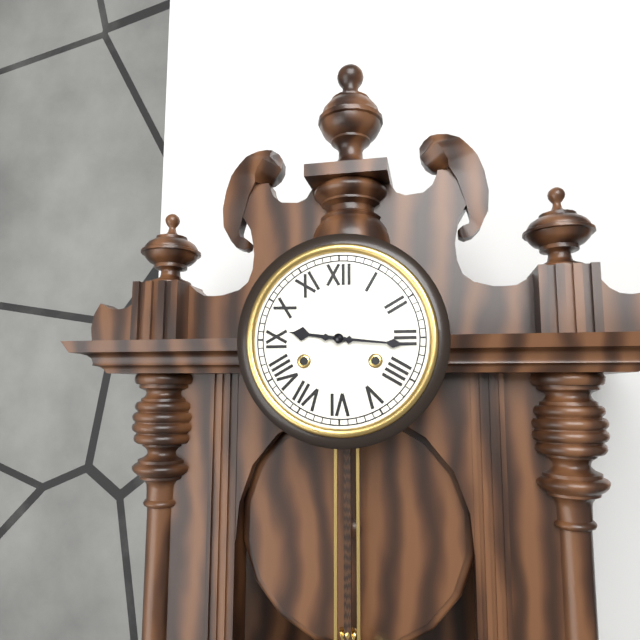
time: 9:16
